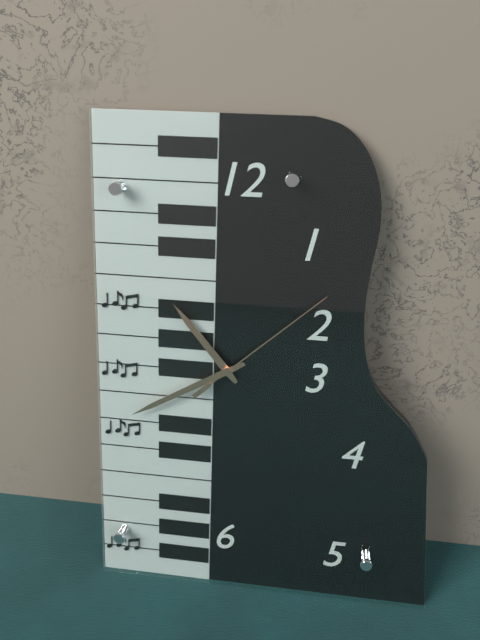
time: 10:40:08
